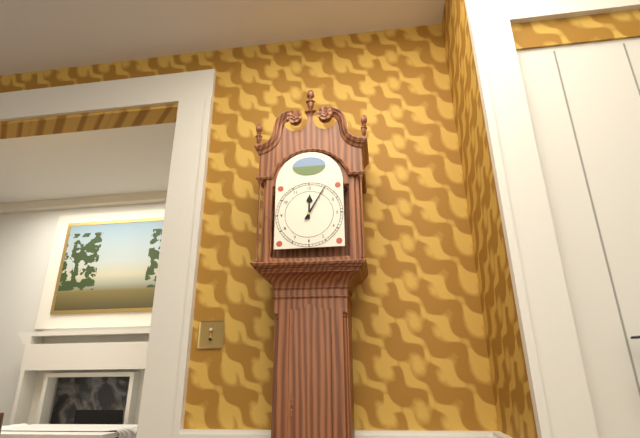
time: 12:05
